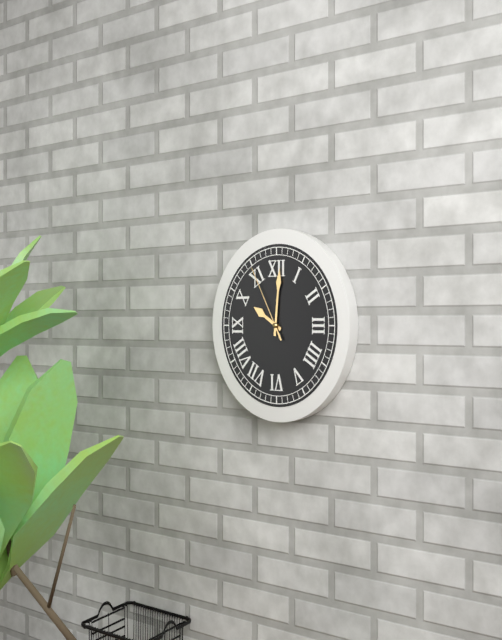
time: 10:01:55
